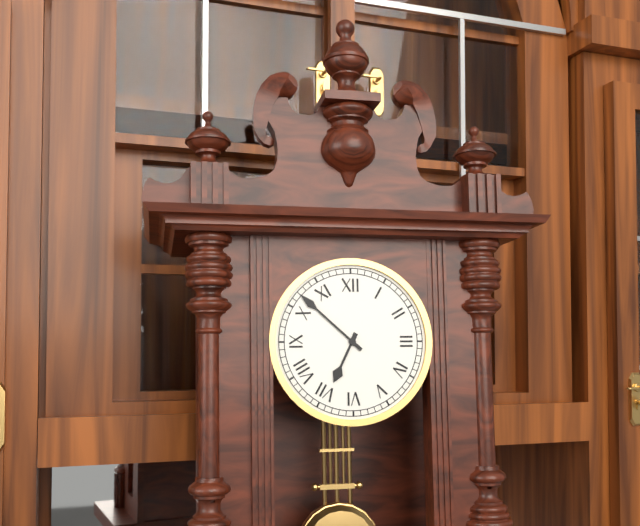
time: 6:52
